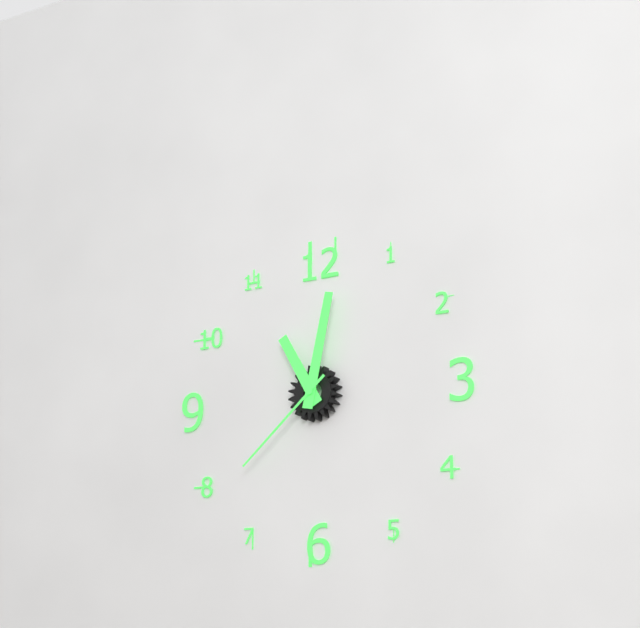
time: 11:02:38
